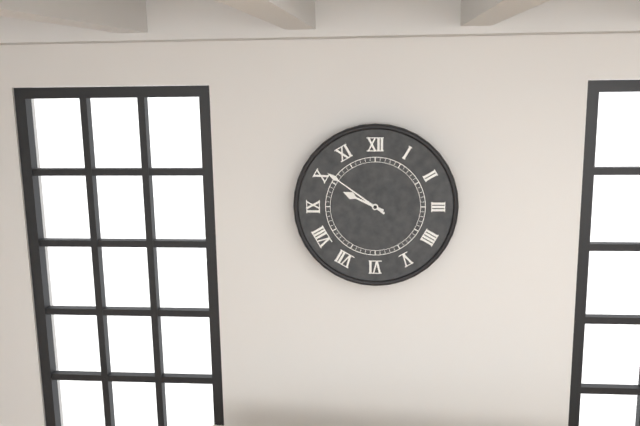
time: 9:51
